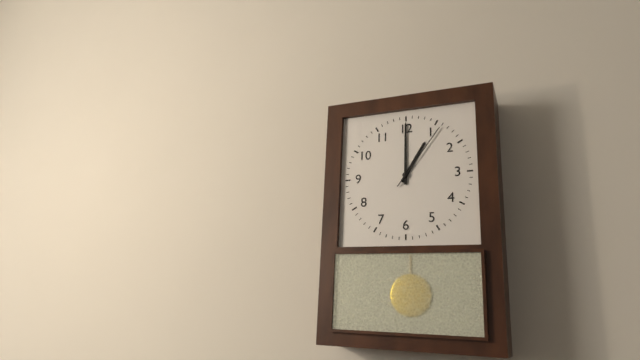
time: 1:00:06
